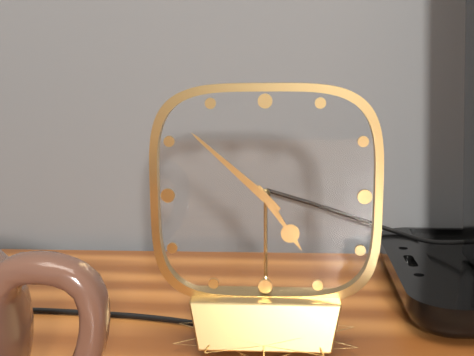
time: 4:52
